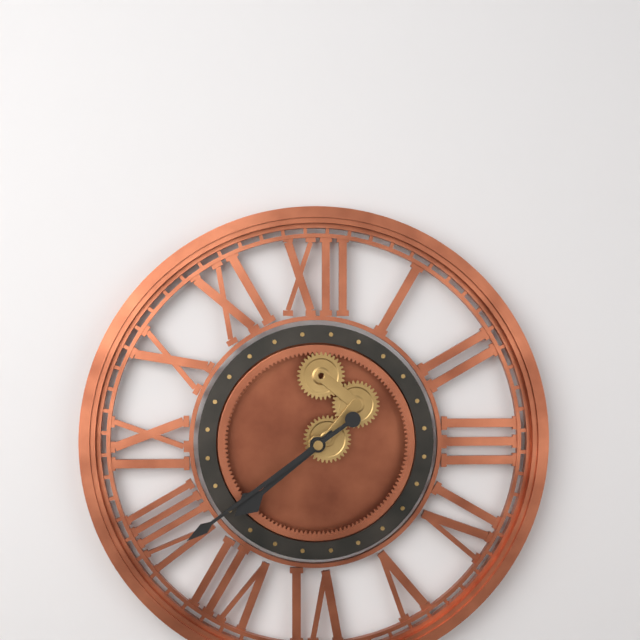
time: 7:39
